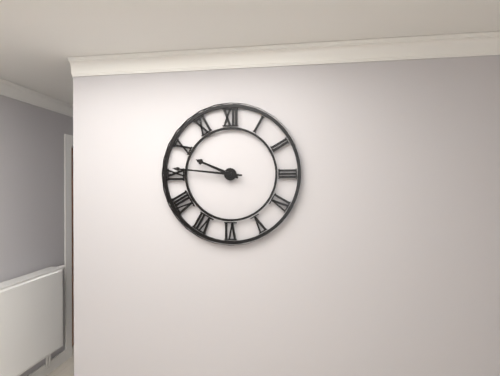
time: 9:46
